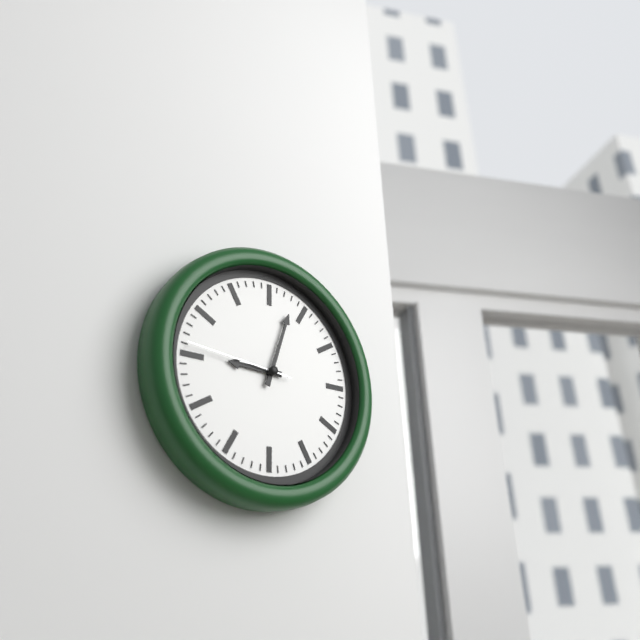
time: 9:03:46
